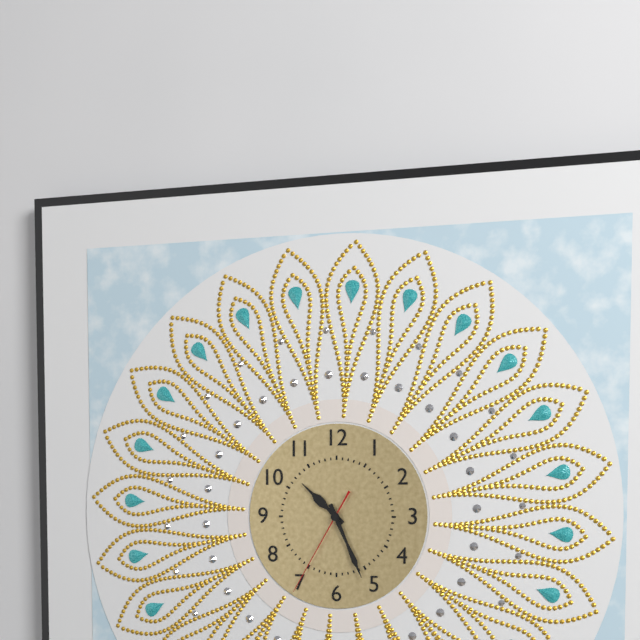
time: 10:26:35
